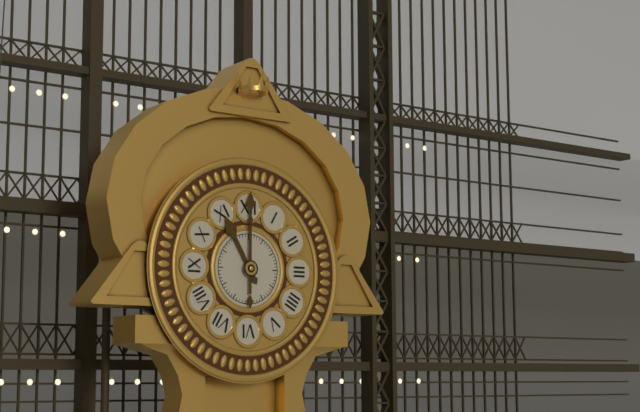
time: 11:00
